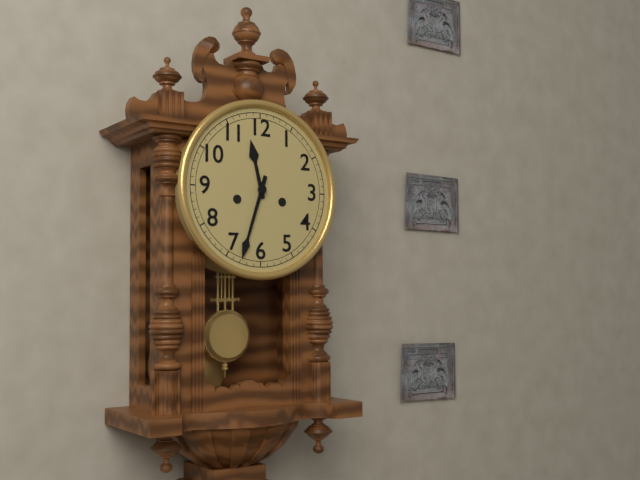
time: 11:33
